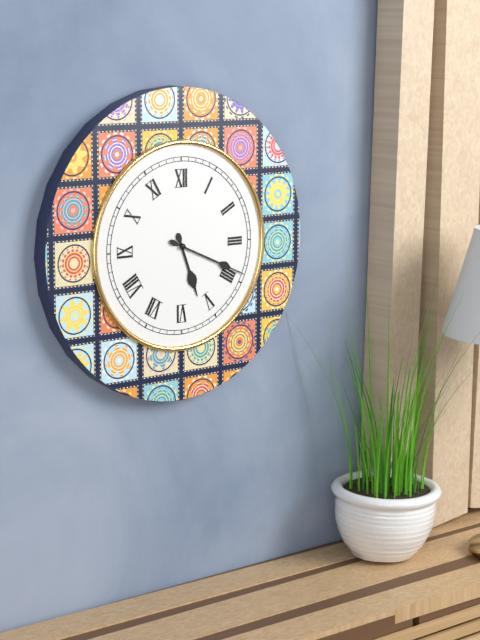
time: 5:19
